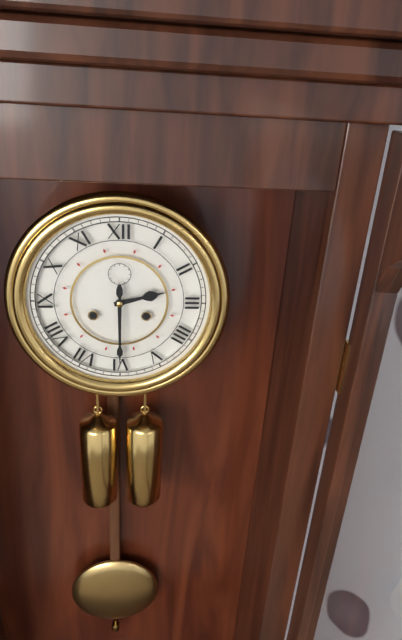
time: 2:30
